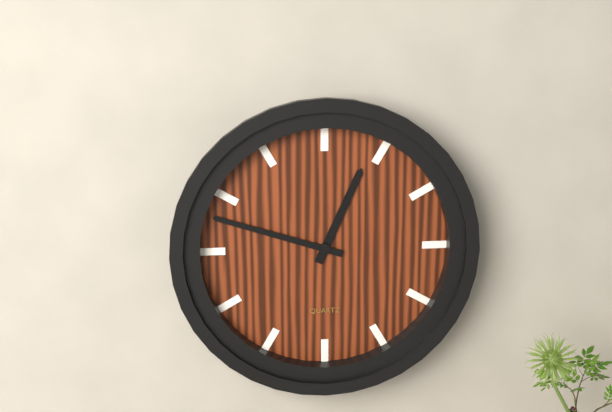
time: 12:48
